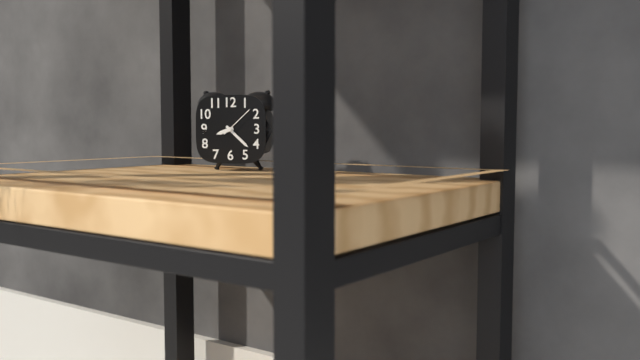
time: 8:22
